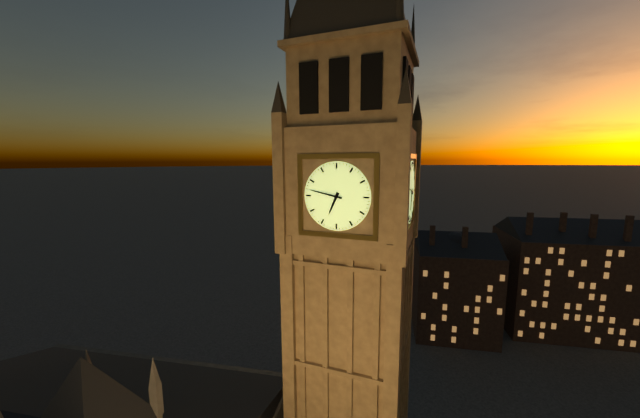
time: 6:47
